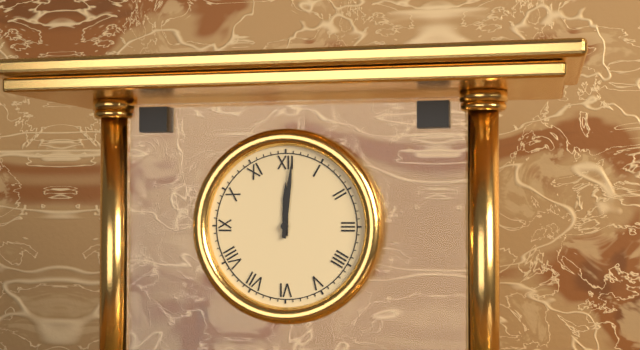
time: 12:01
